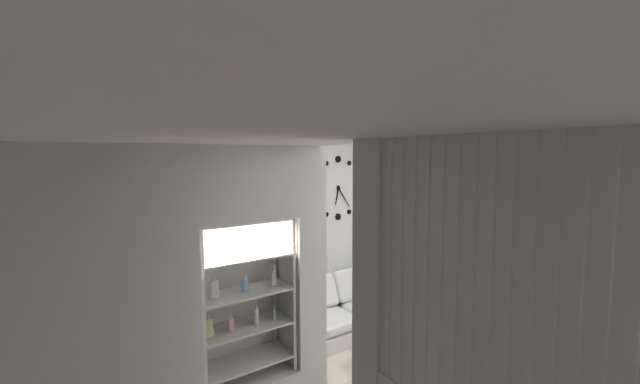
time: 6:24
